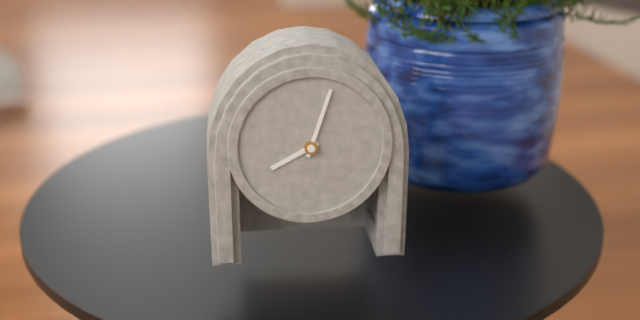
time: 8:03
